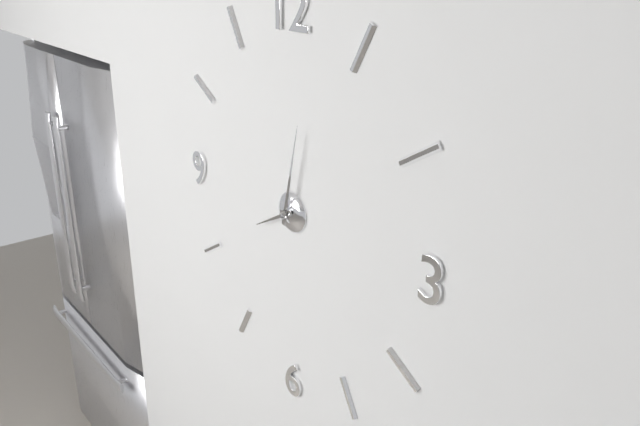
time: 8:02
